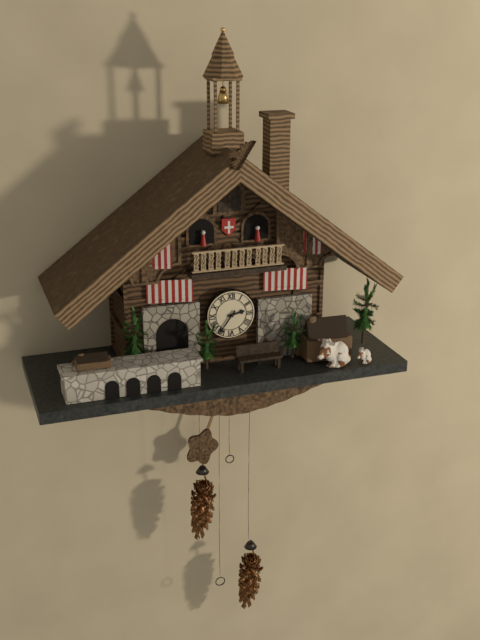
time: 2:36
